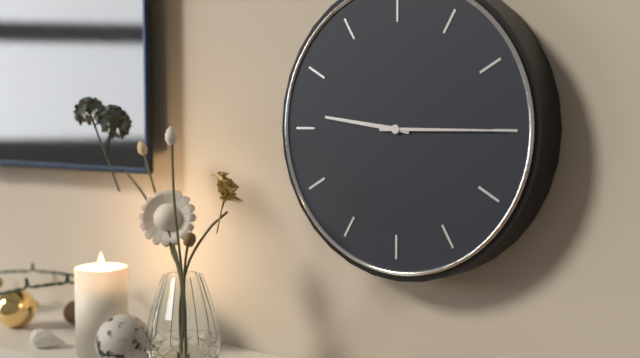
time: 9:15
